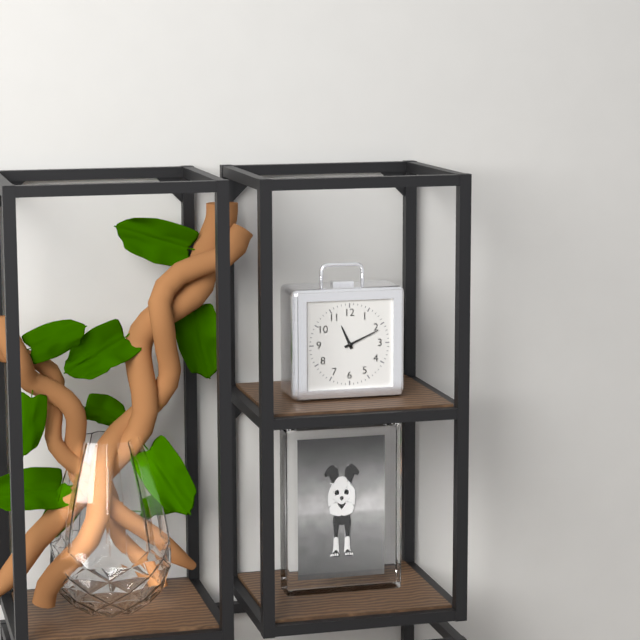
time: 11:11
